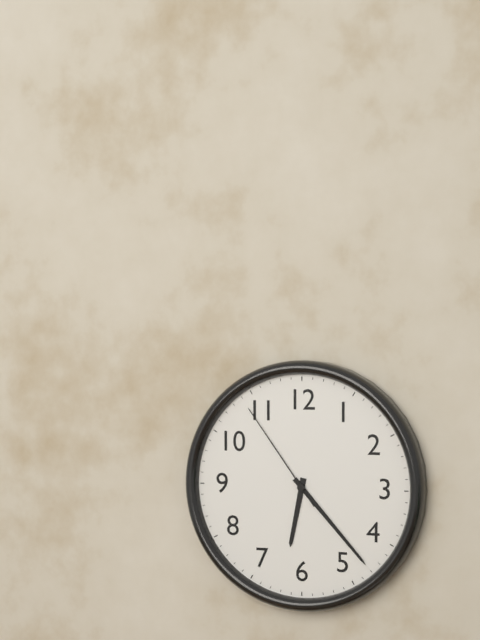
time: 6:23:54
